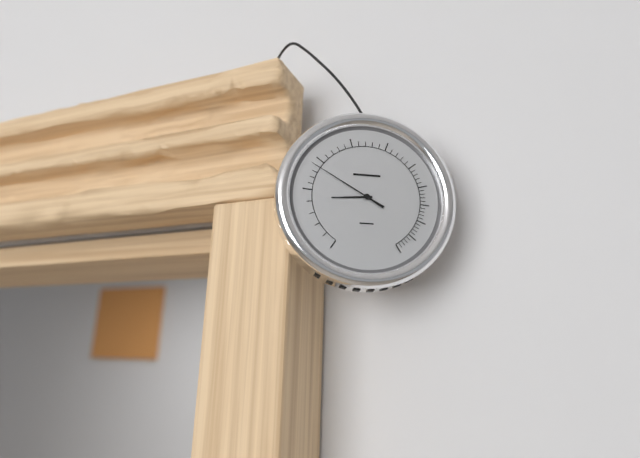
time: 8:50
